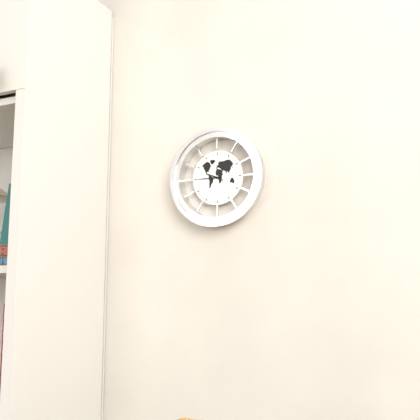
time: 9:45
